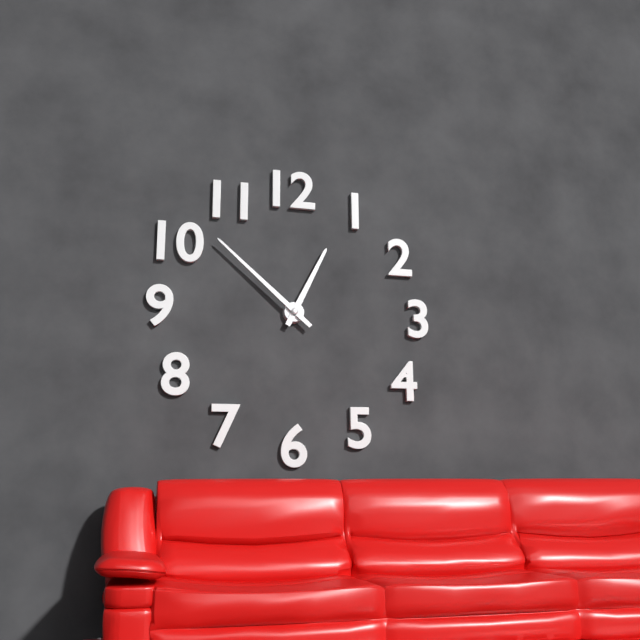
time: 12:52
